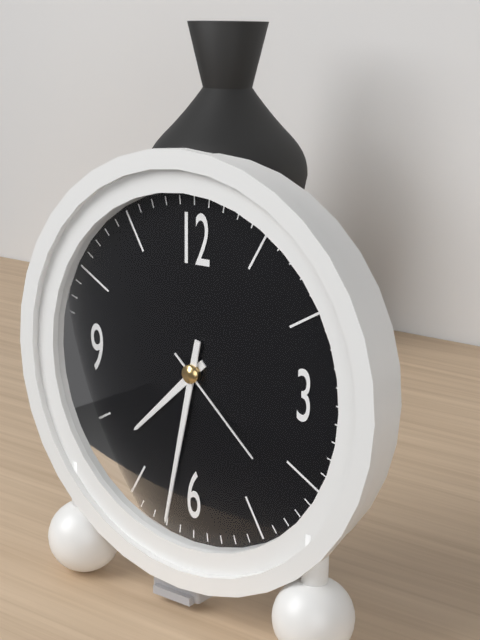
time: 7:32:22
